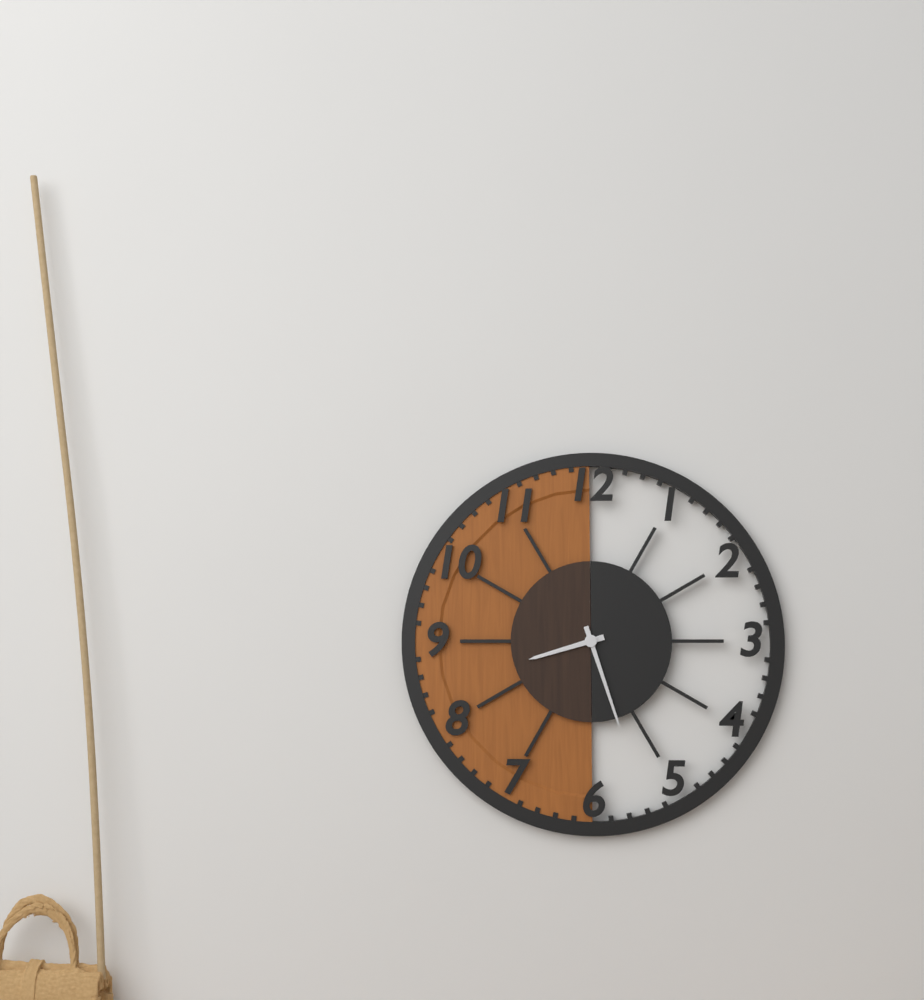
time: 8:27
